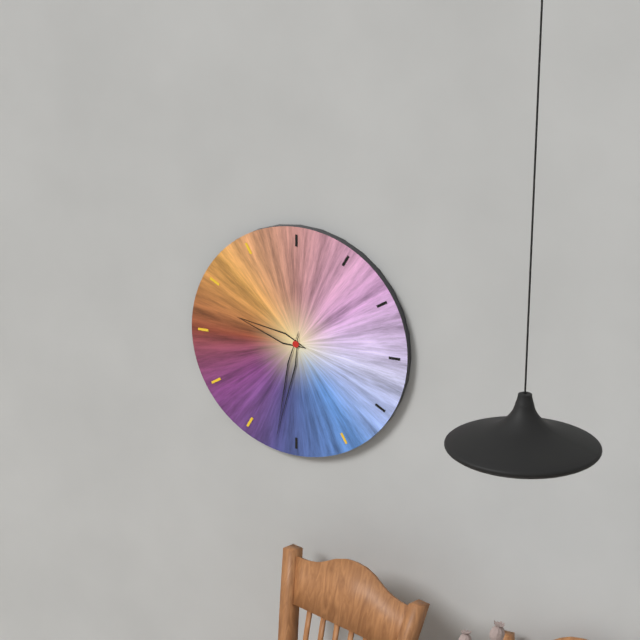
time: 9:32
